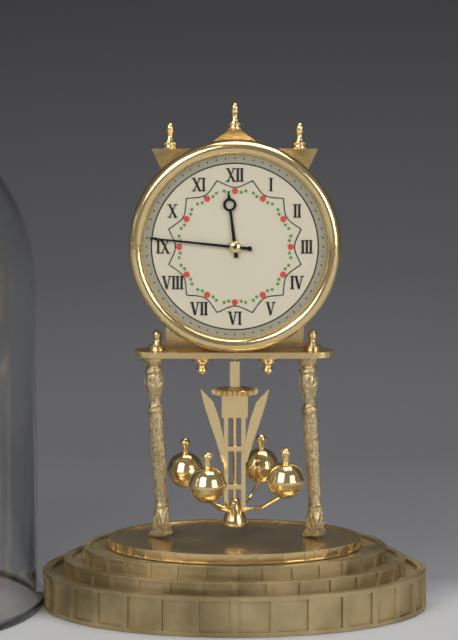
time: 11:46
